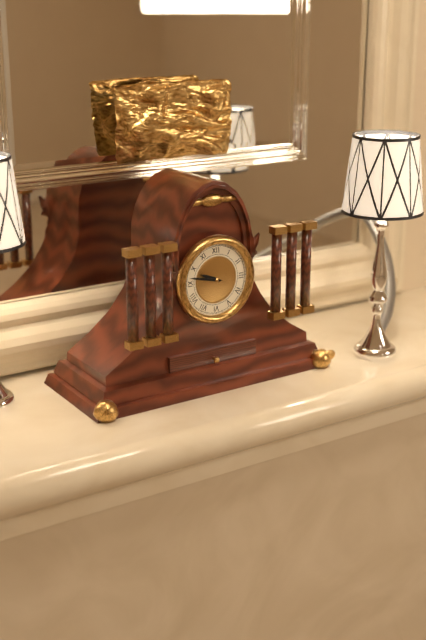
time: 9:47
